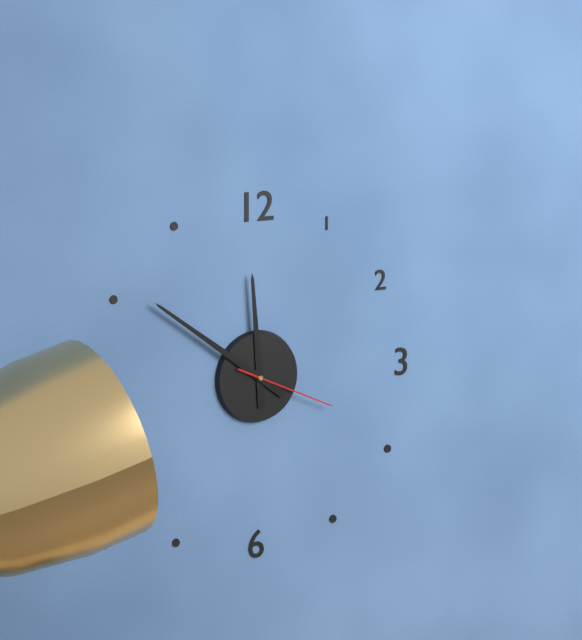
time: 11:51:19
